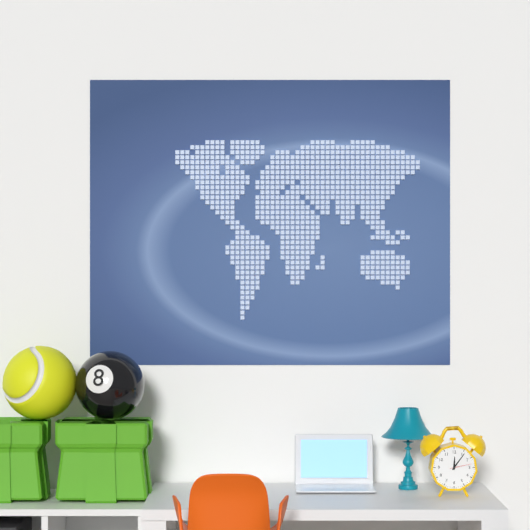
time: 12:06
